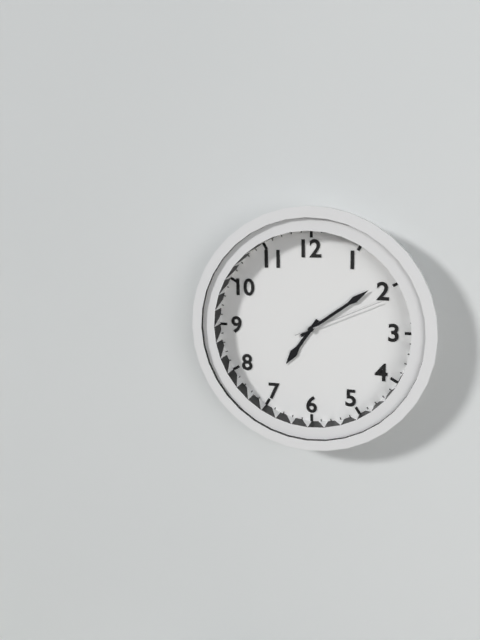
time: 7:09:11
